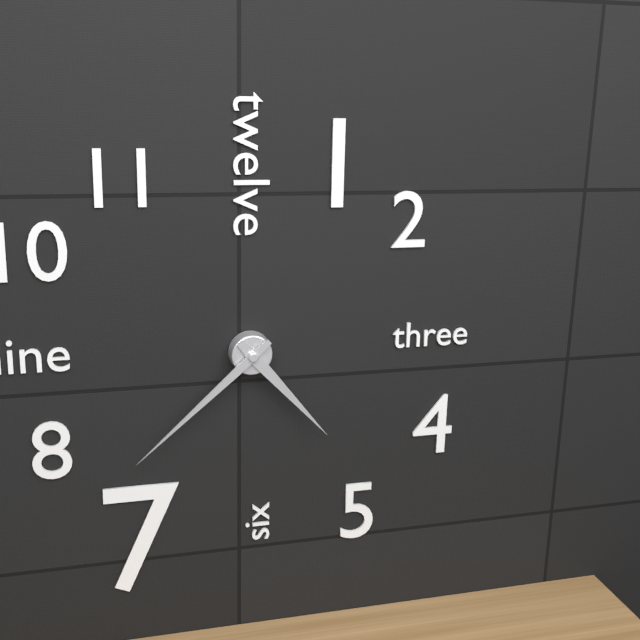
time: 4:38
